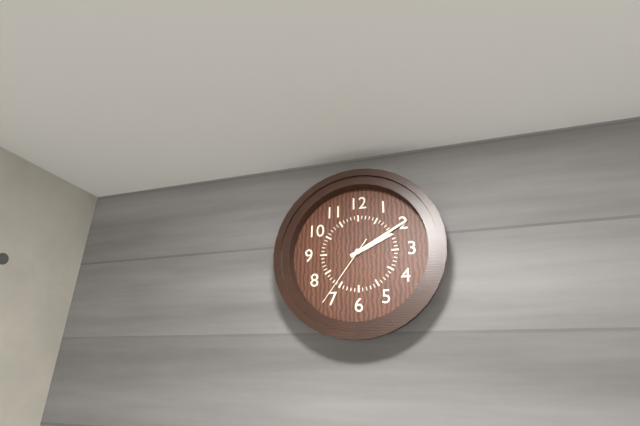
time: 2:10:36
